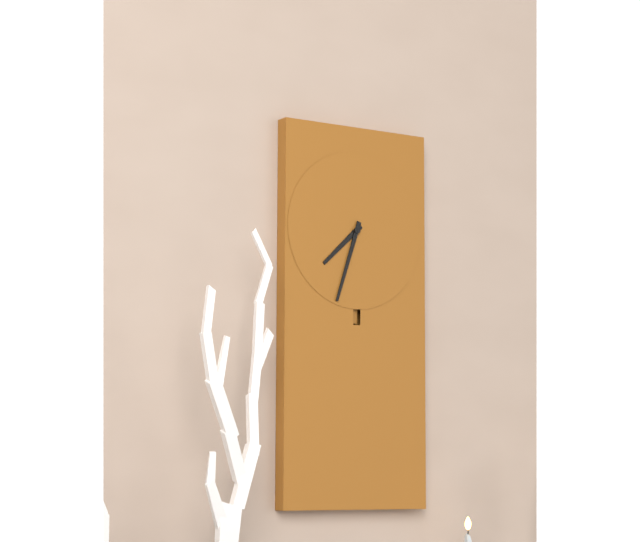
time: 7:33
